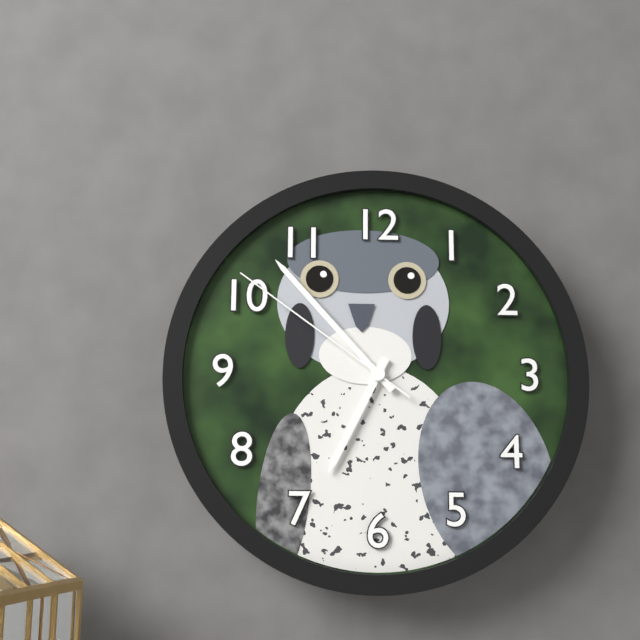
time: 6:53:51
